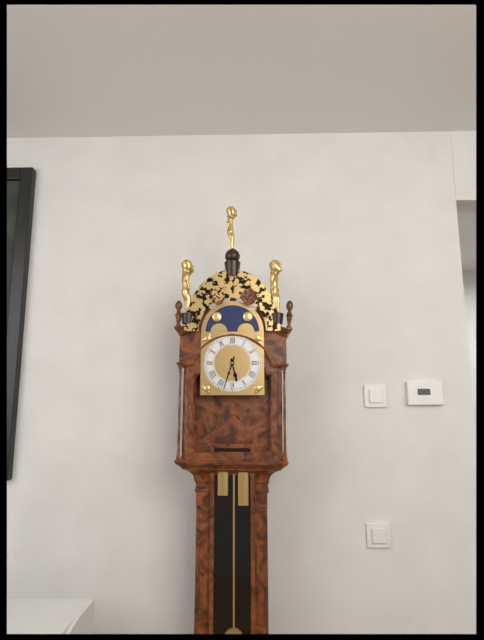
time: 5:33
